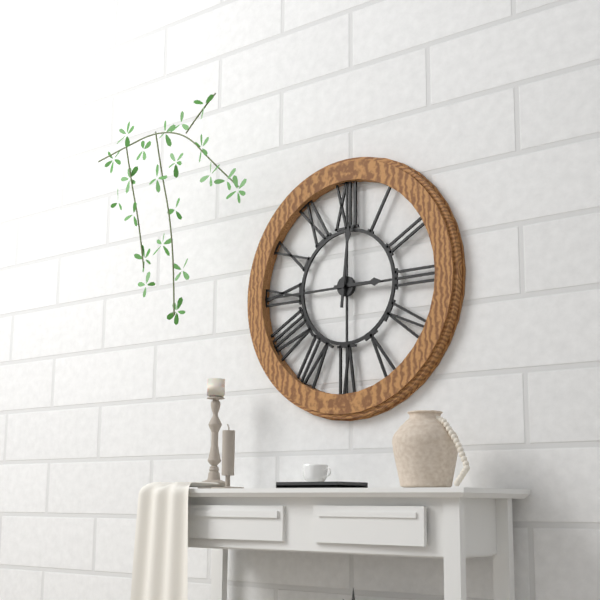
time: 3:01
